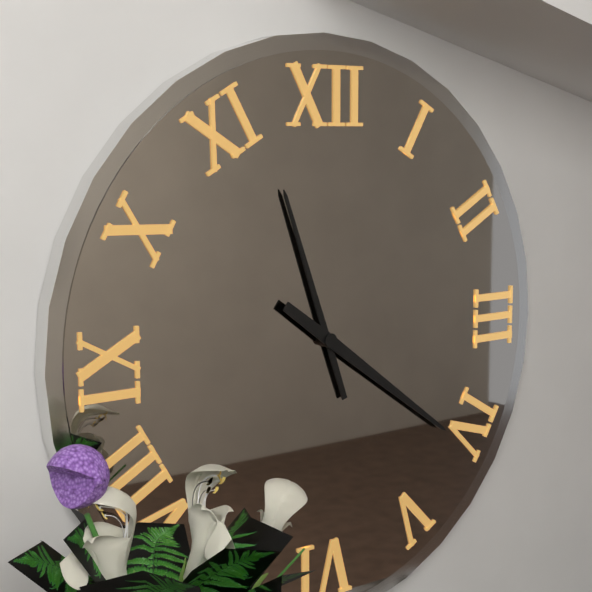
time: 11:21
